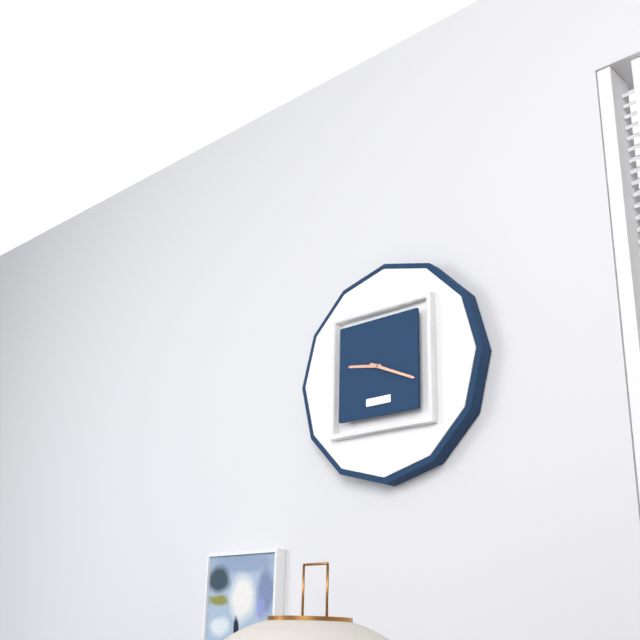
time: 9:19
